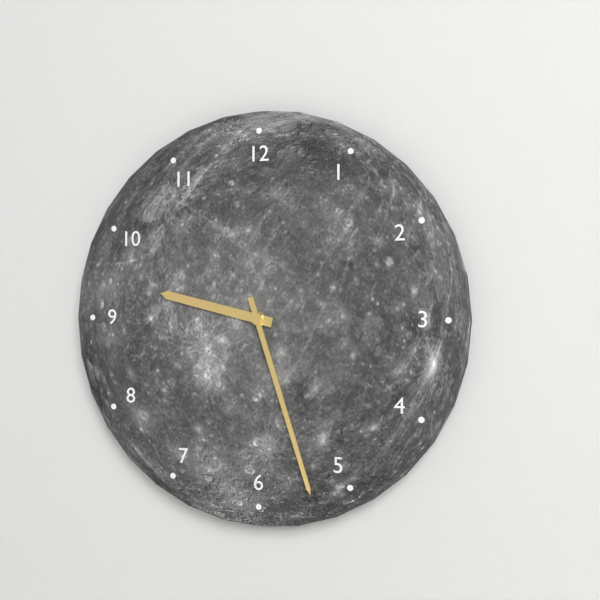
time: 9:27
